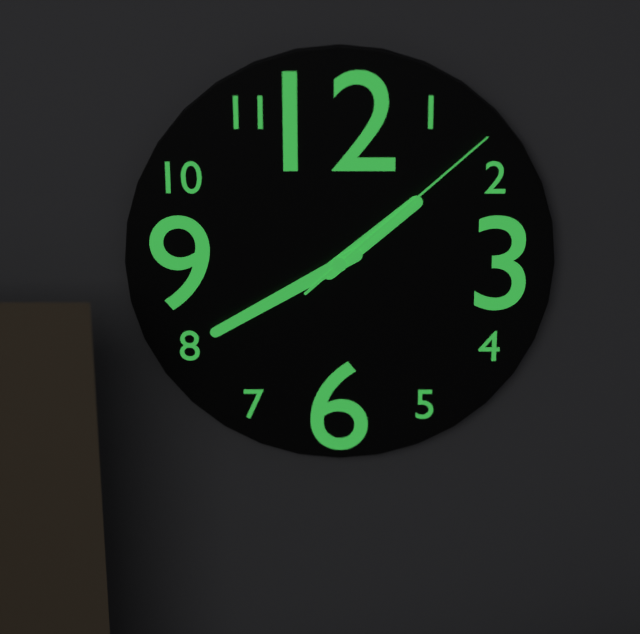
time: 1:40:08
